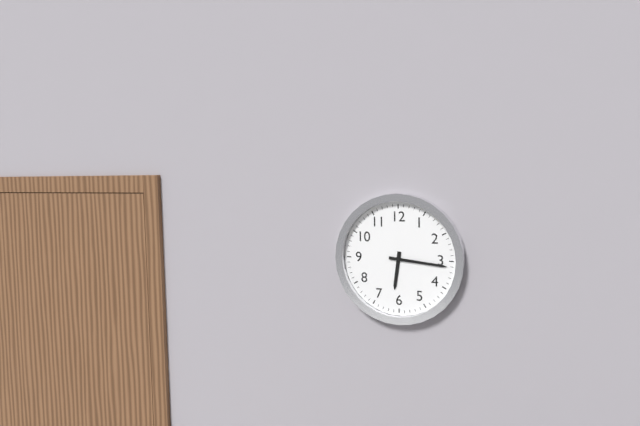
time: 6:16
